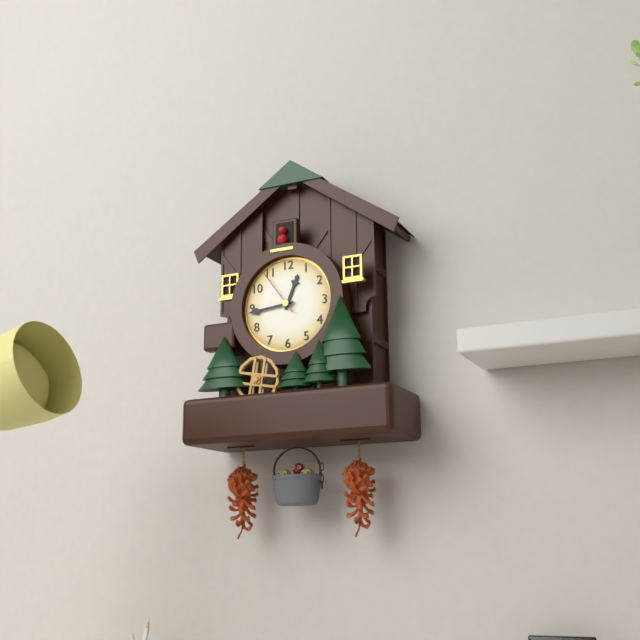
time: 12:44
